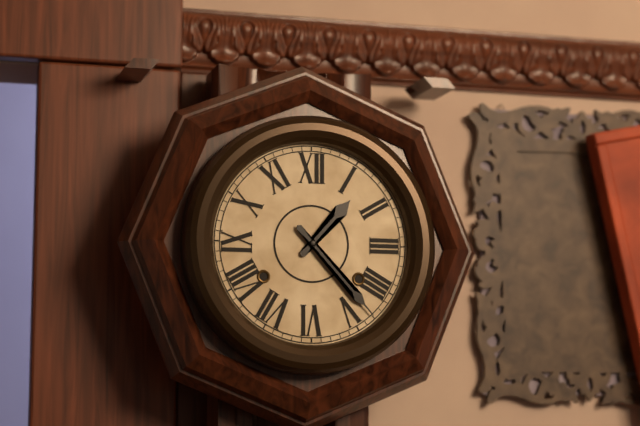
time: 1:23
